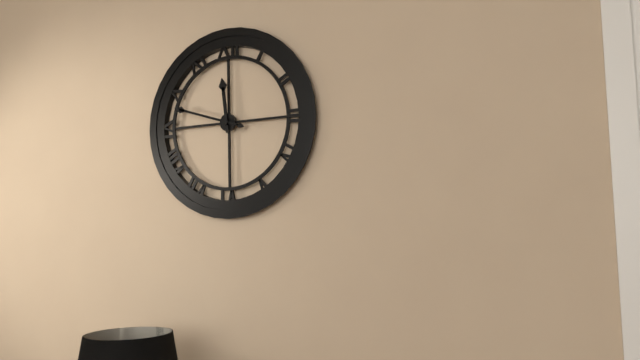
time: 11:48
